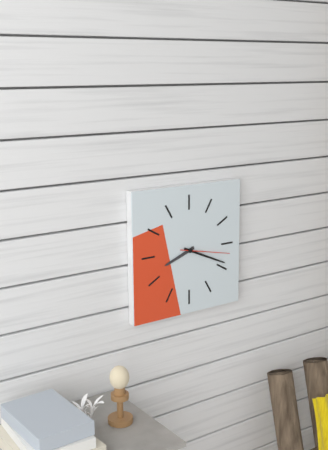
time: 8:19:17
